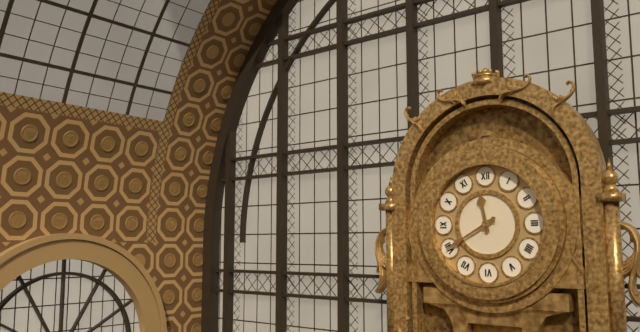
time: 11:40
